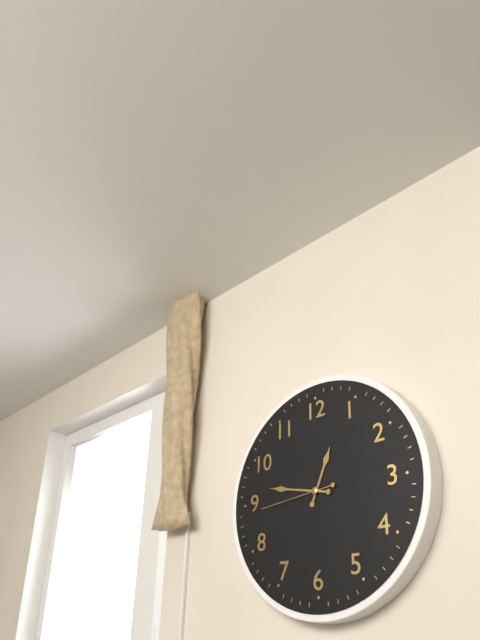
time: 12:47:44
